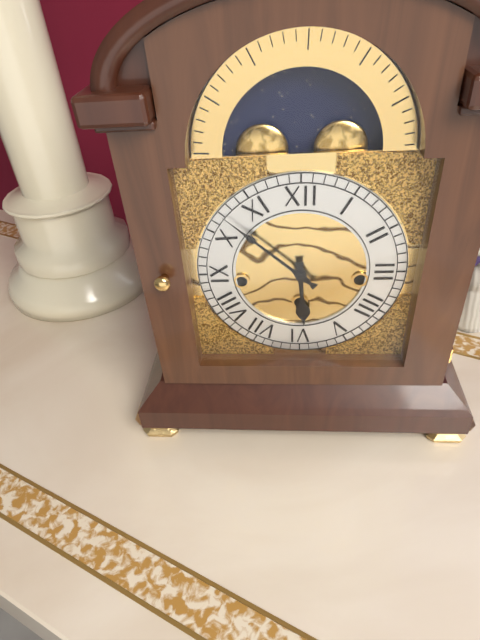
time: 5:52
